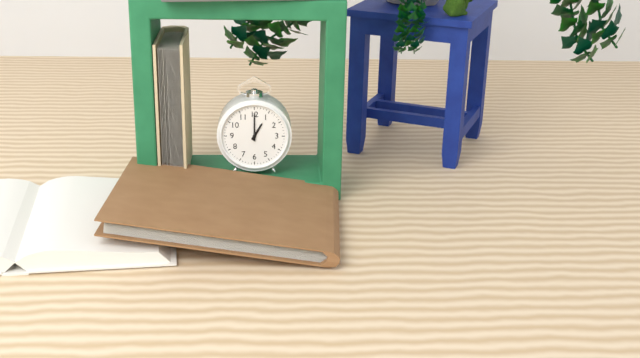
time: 1:00
